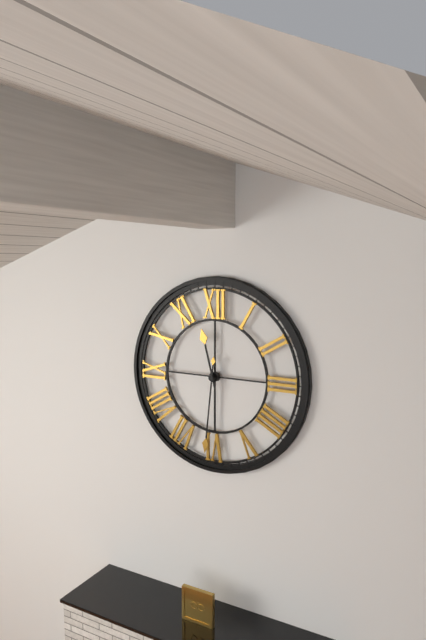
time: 11:31
